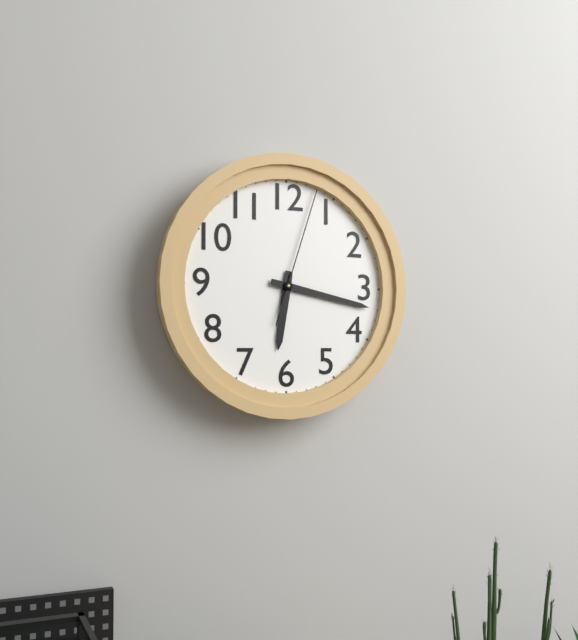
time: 6:17:03
